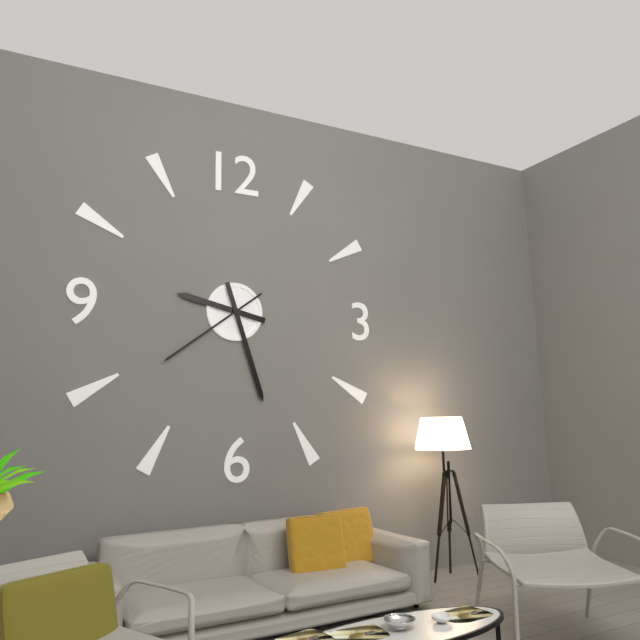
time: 9:27:39
